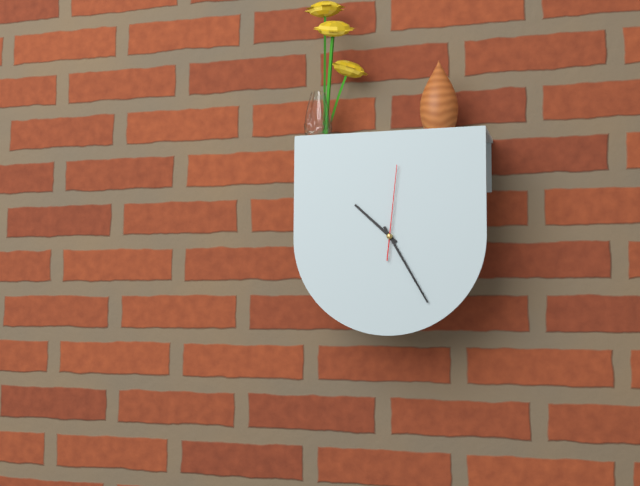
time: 10:25:01
